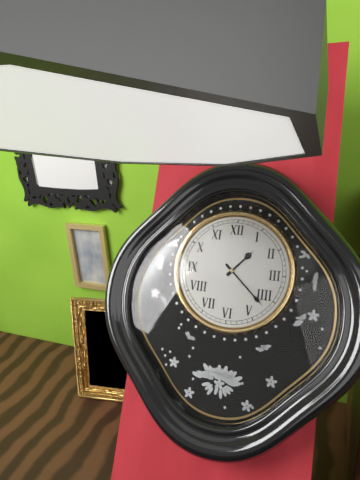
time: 1:22
